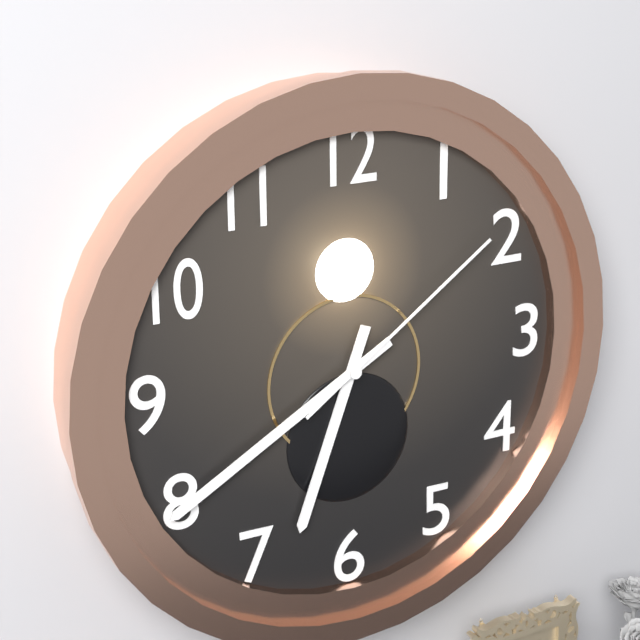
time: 6:40:09
